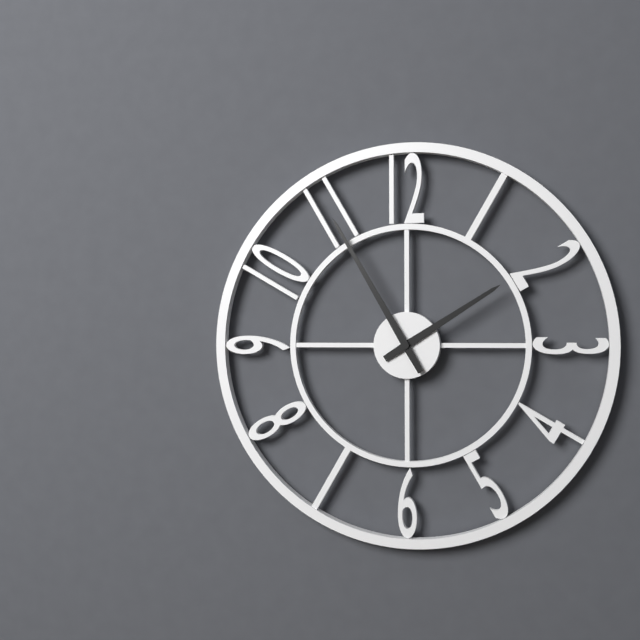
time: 1:55
